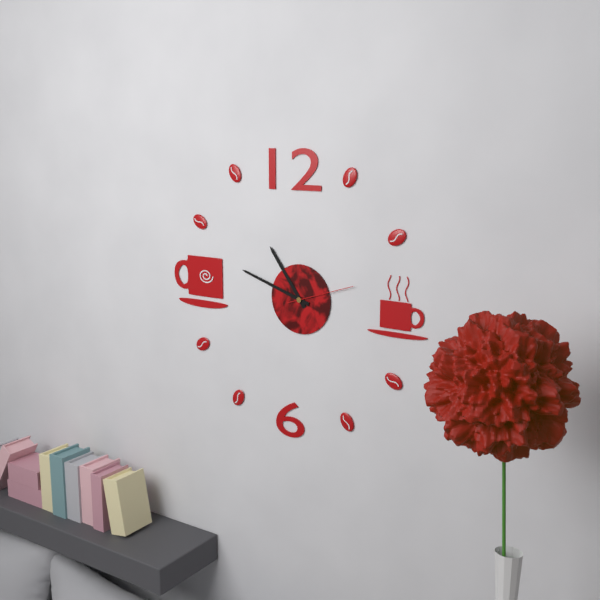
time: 10:48:12
